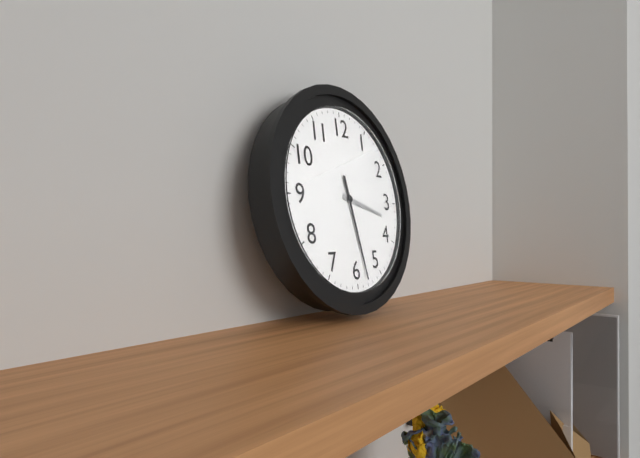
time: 3:28
